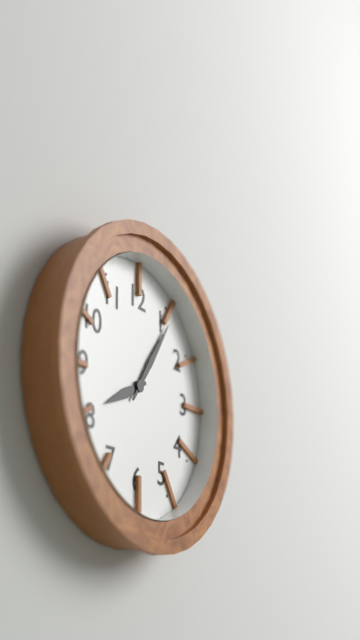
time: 8:06
